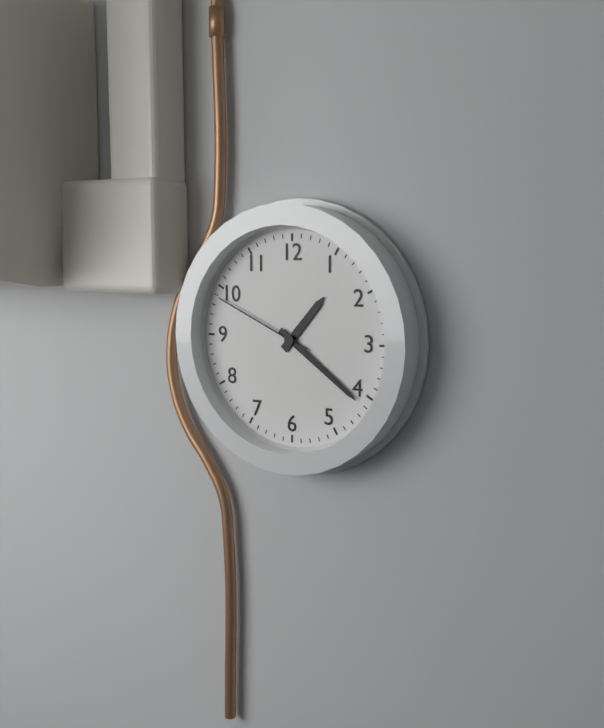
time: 1:21:49
